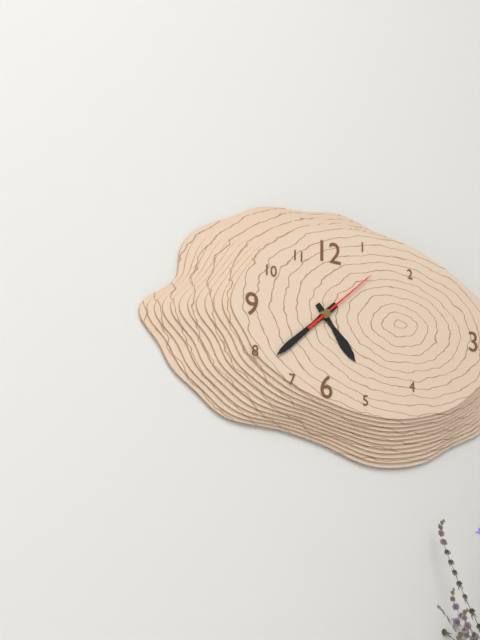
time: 4:38:08
